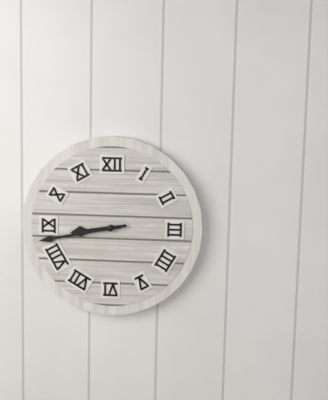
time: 8:43
